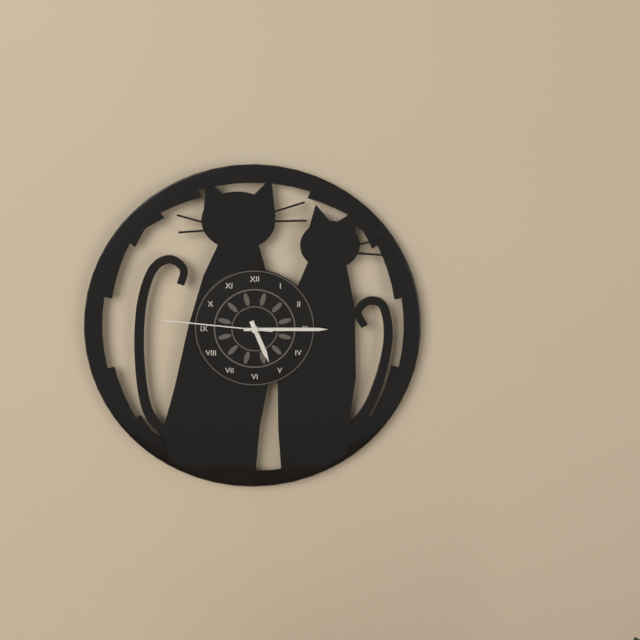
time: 5:15:46
